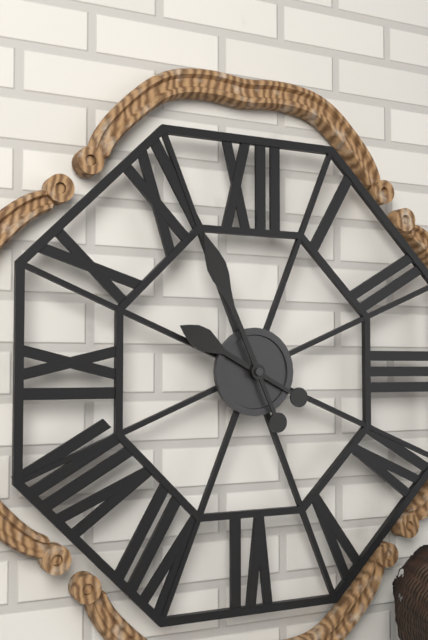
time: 9:56
